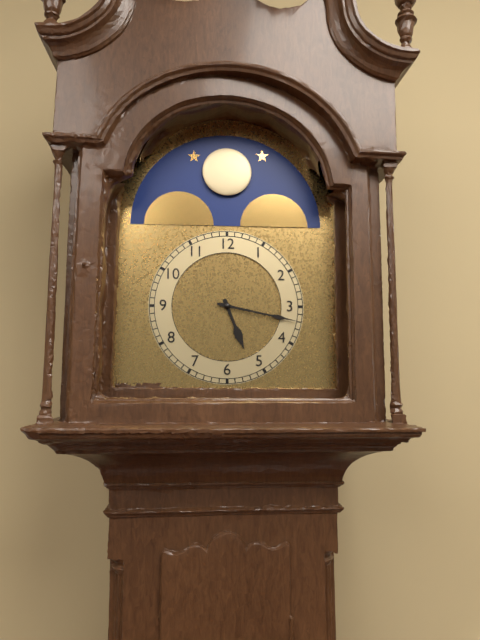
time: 5:17
